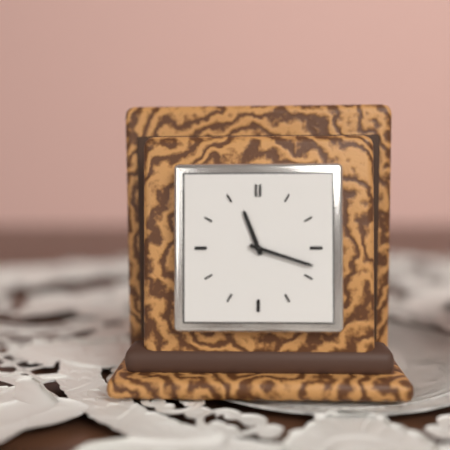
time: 11:18
